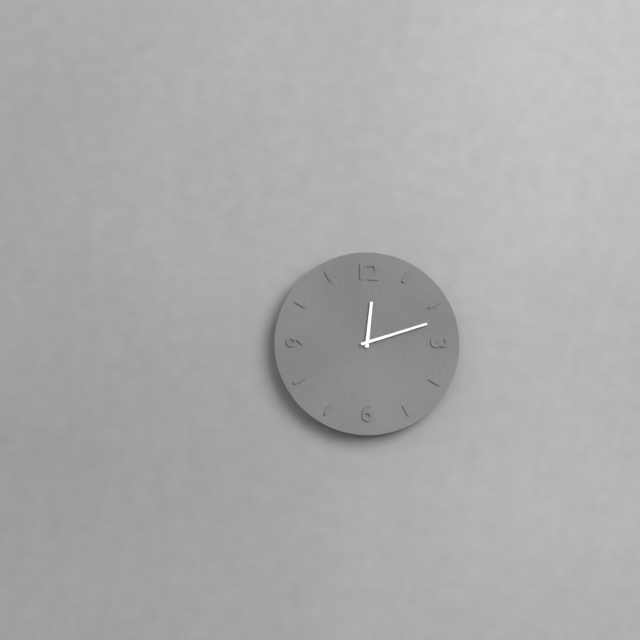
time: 12:12
